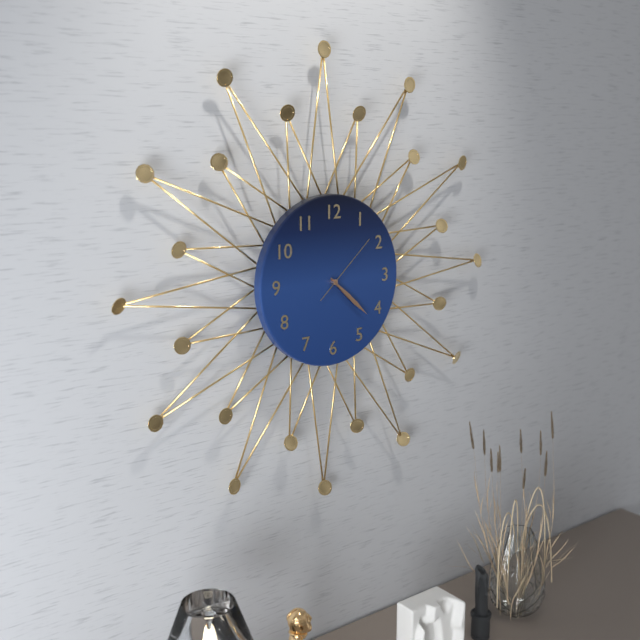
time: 4:22:08
